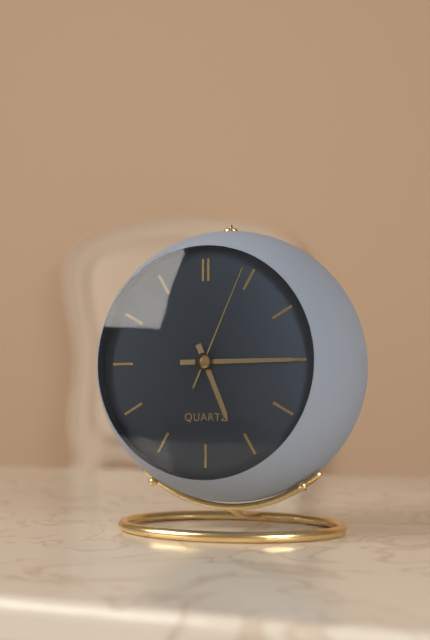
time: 5:15:04
